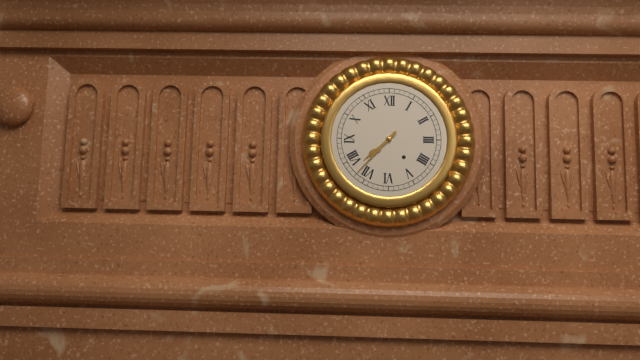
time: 7:37
